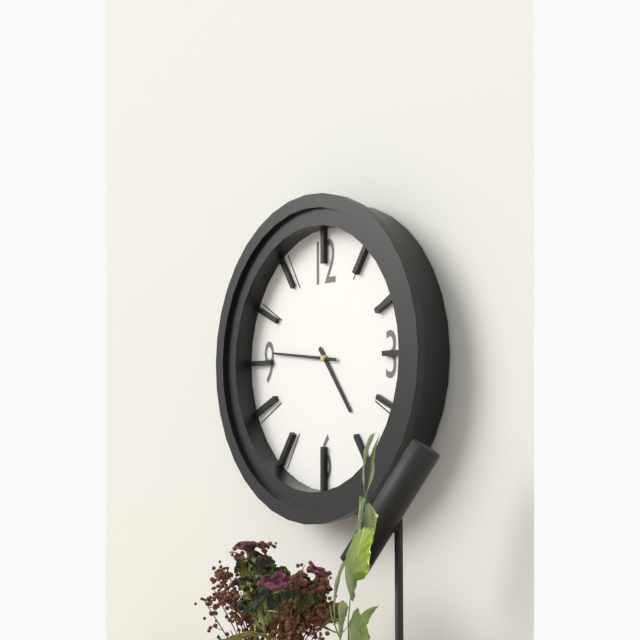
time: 4:46
